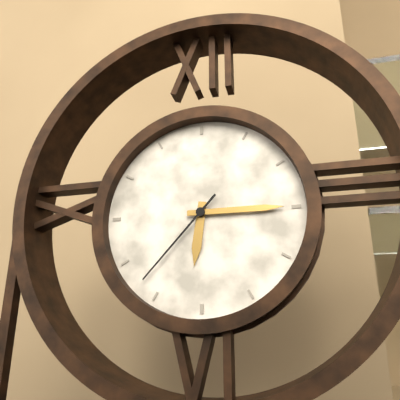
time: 6:15:37
